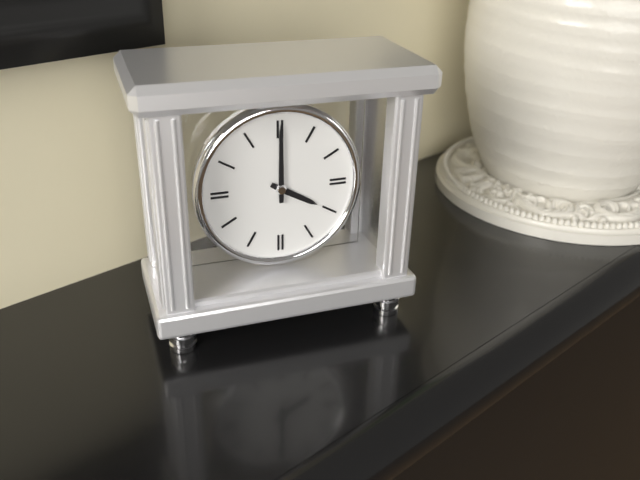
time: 4:00
